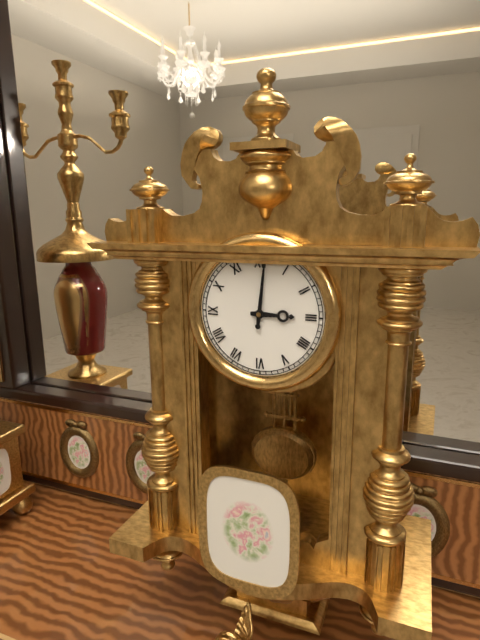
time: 3:01
